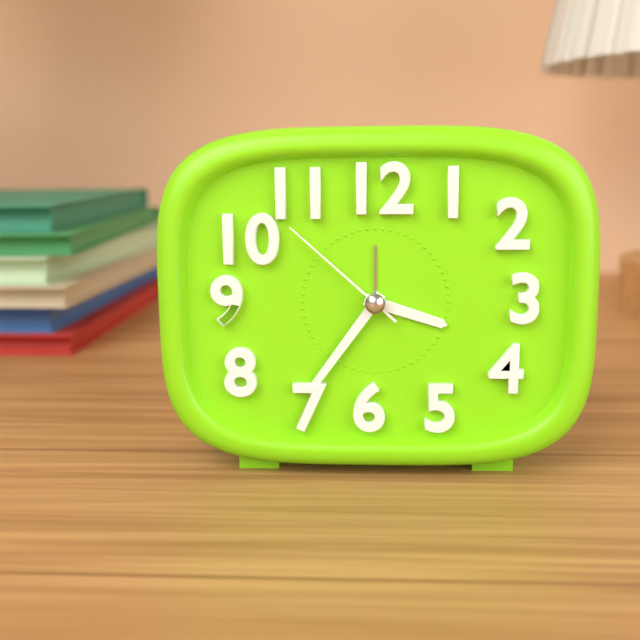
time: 3:36:52
